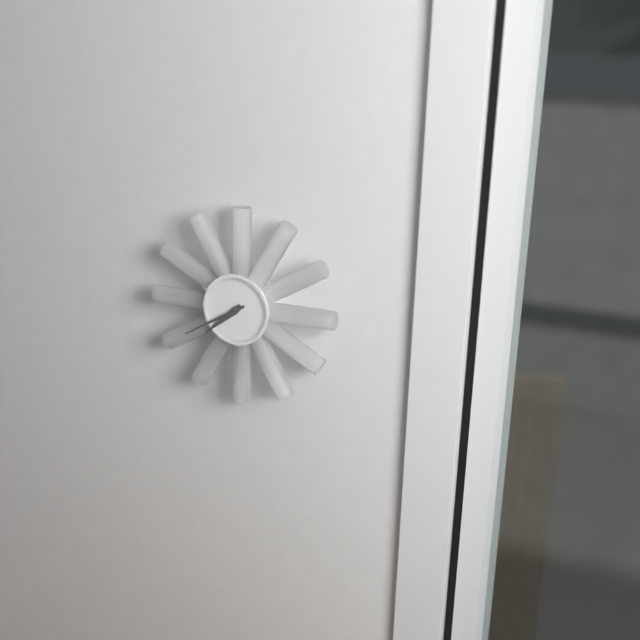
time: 7:40
